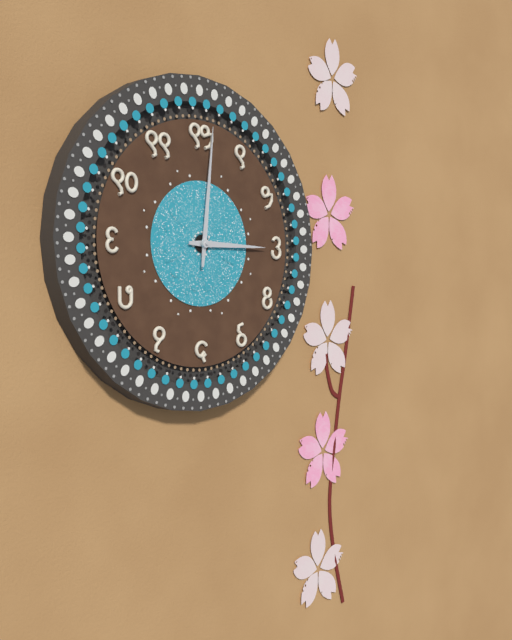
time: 3:01
